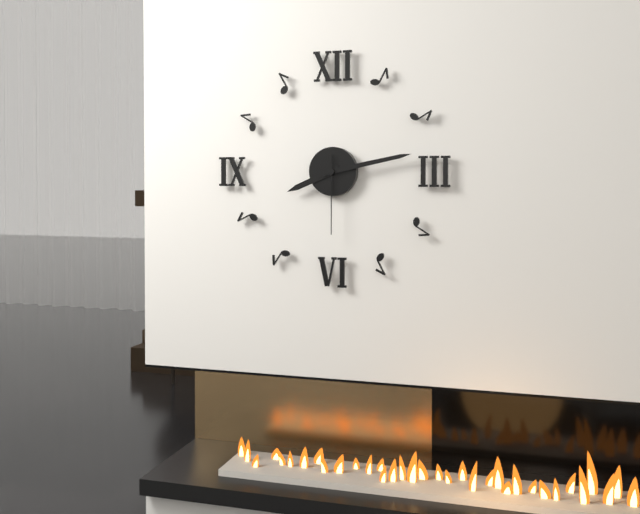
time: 8:13:30
